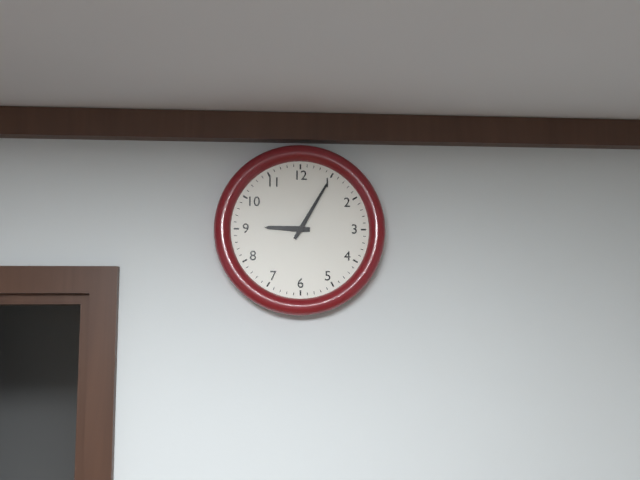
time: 9:05
